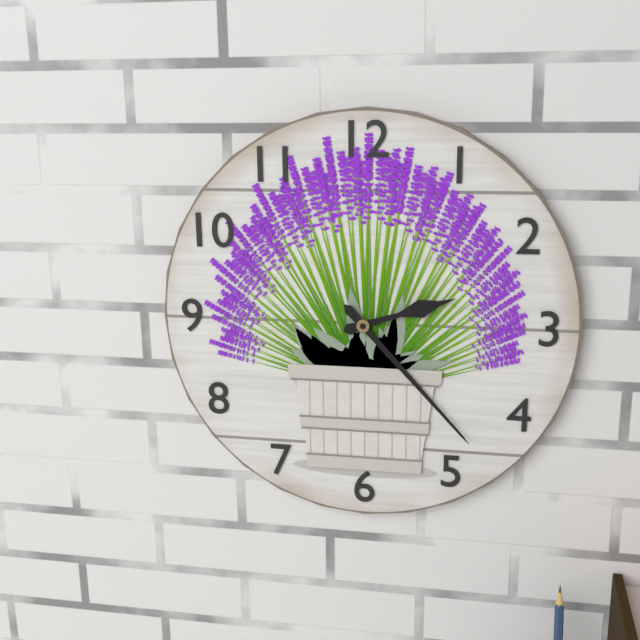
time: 2:23
